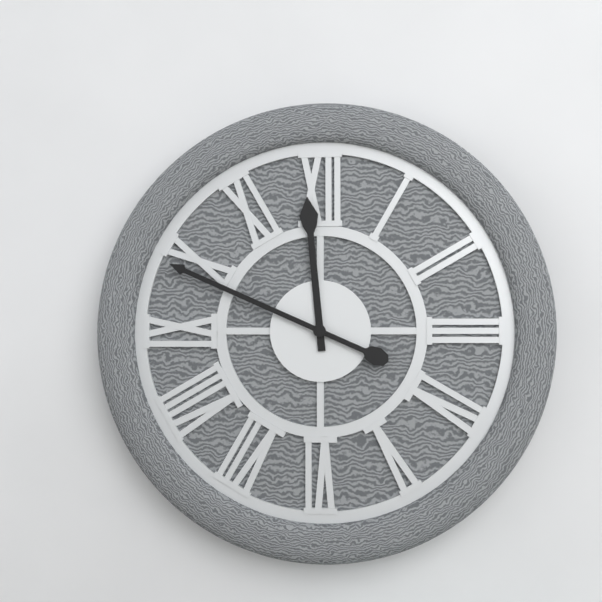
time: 11:49
